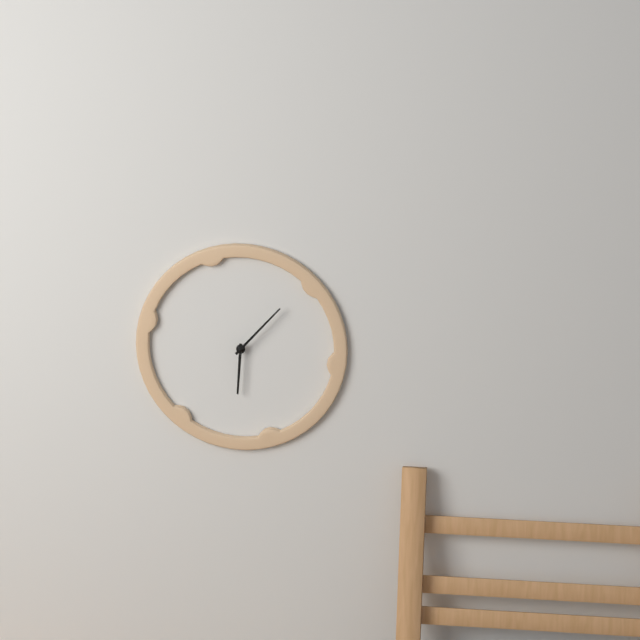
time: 6:07
